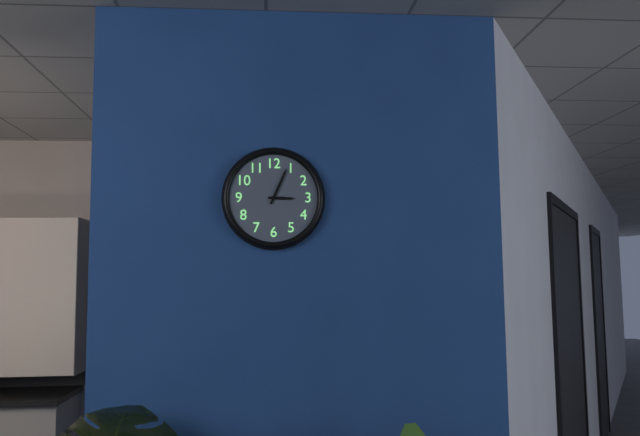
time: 3:04
